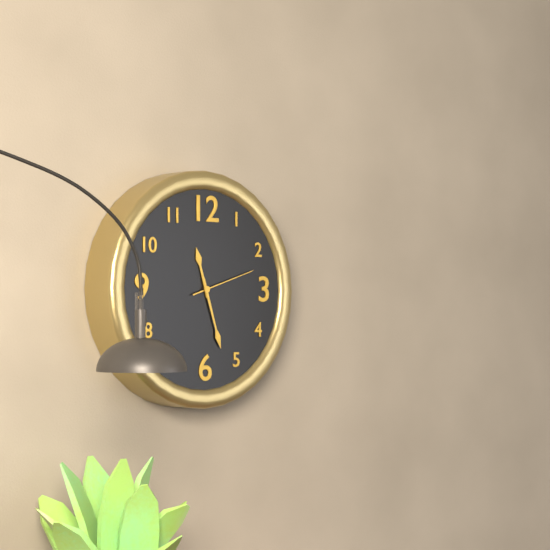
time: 11:27:12
